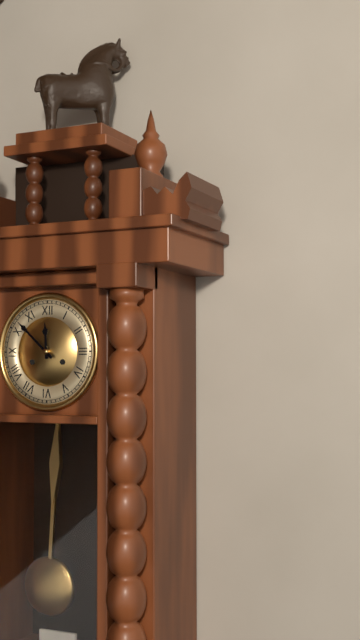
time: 11:52
